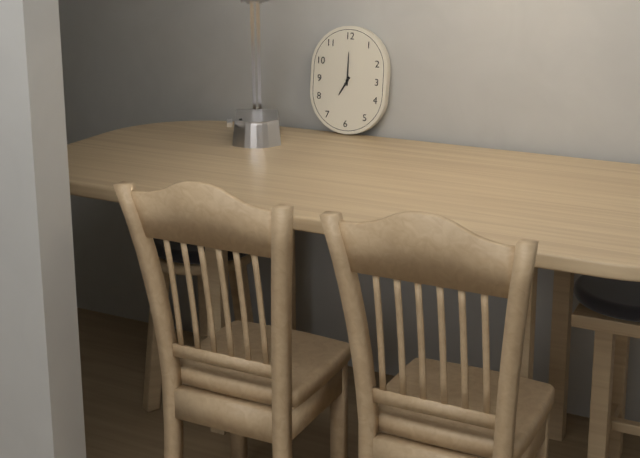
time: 7:00
